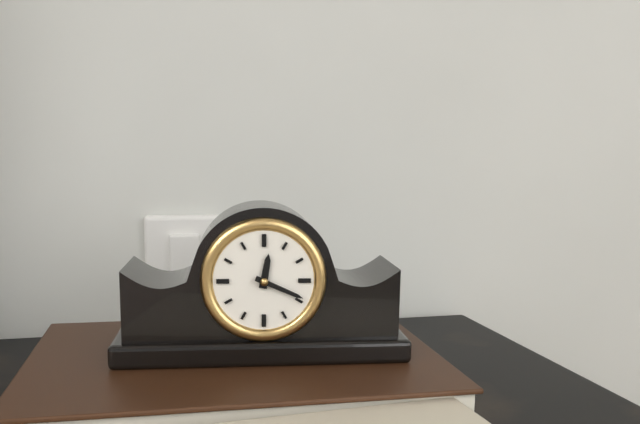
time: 12:19
